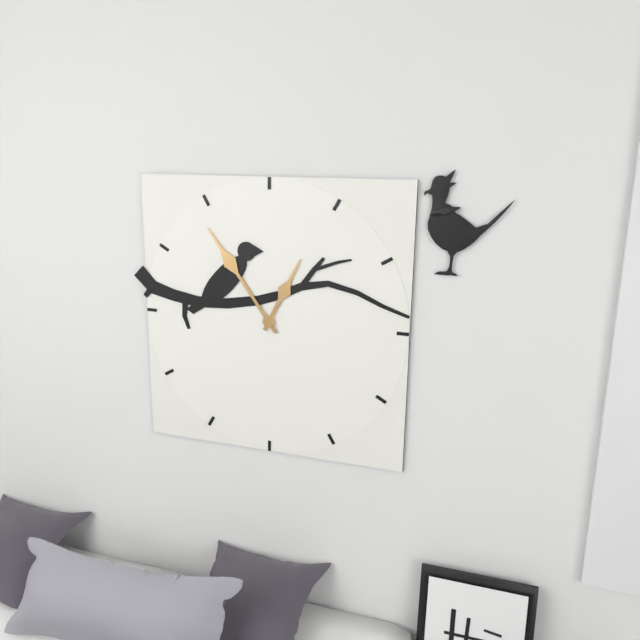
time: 12:54
